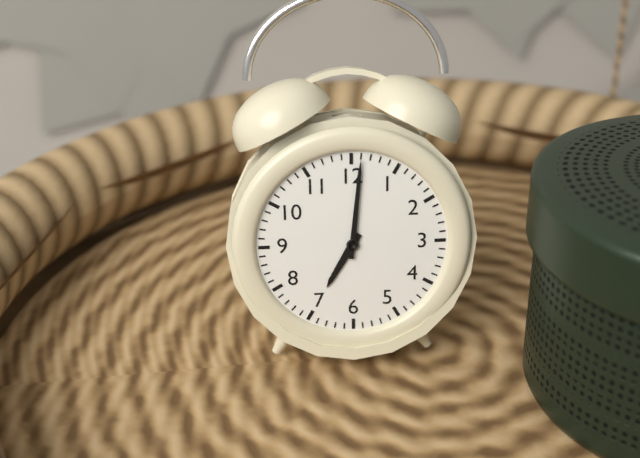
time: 7:01
